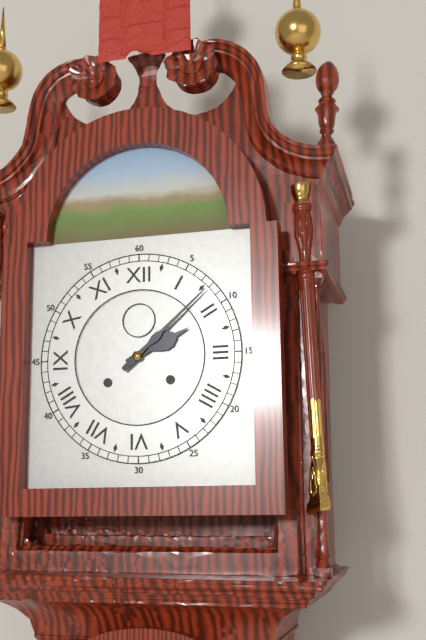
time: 2:08
